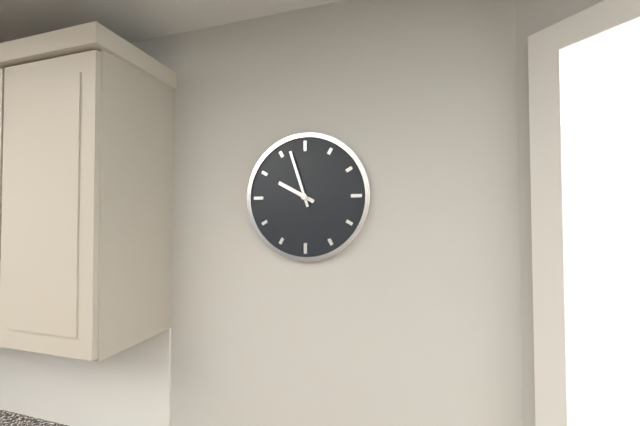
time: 9:57
